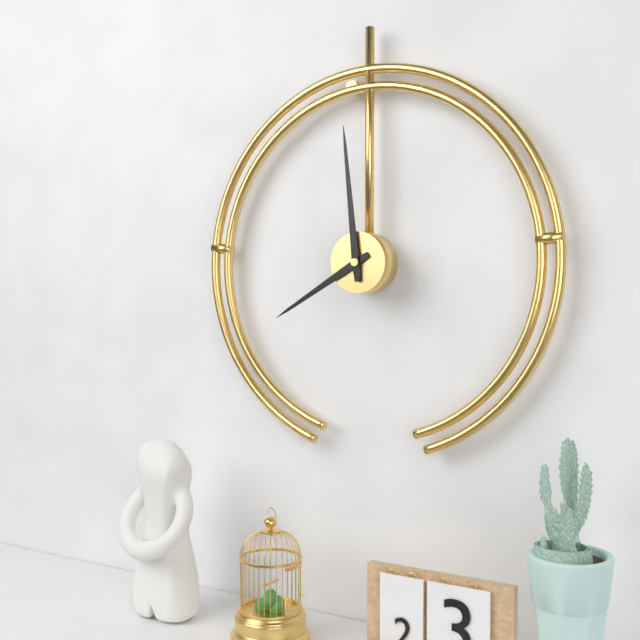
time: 7:59
